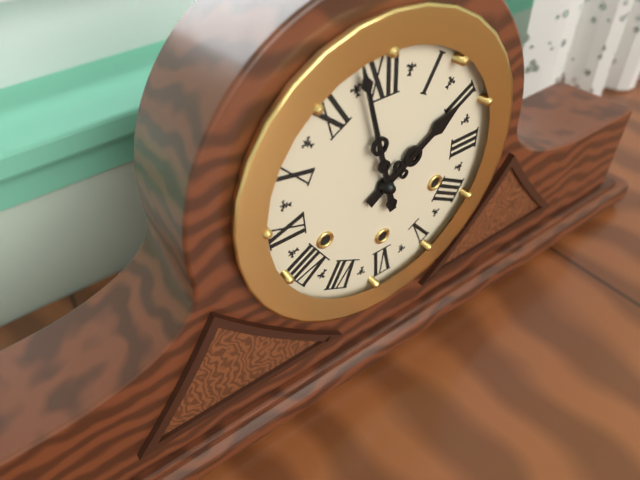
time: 1:58
